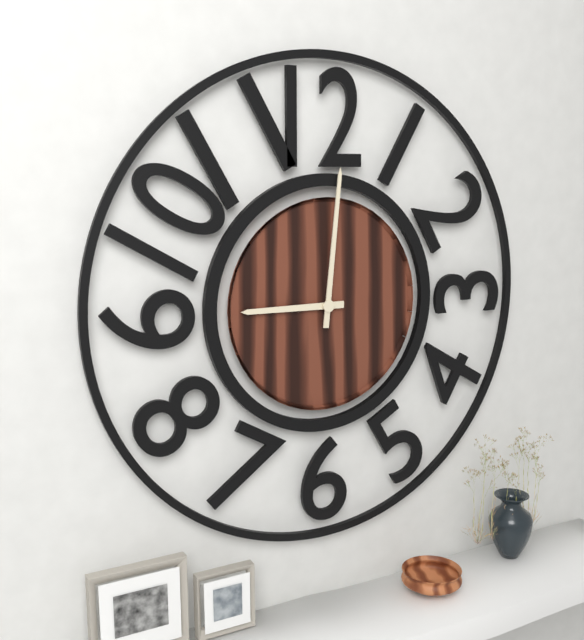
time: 9:01
